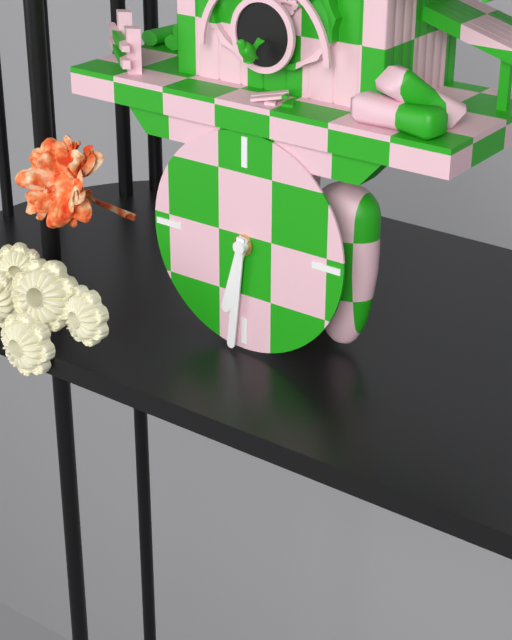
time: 6:31
